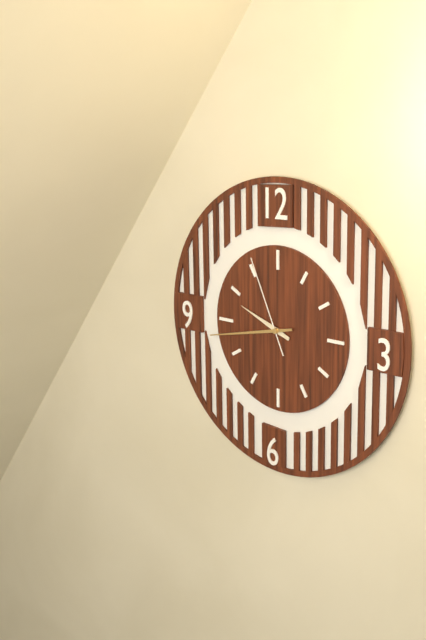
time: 9:43:56
